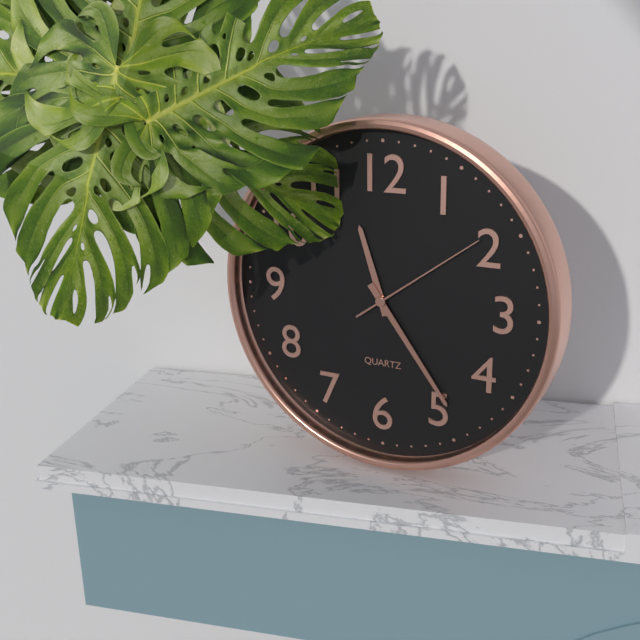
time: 11:24:09
